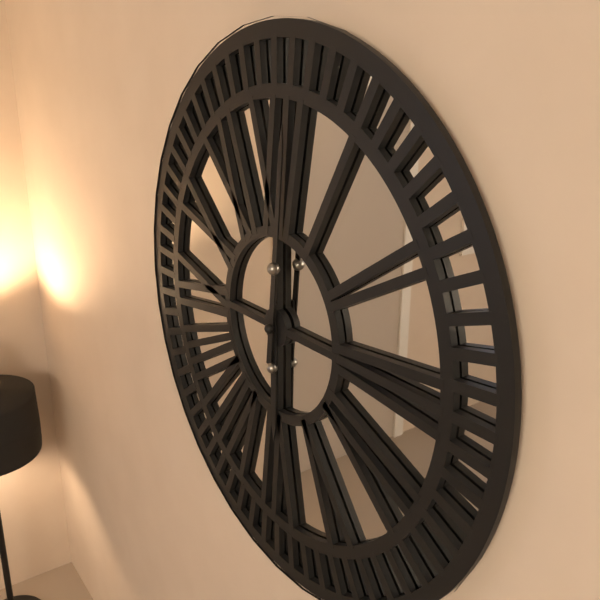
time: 6:01
